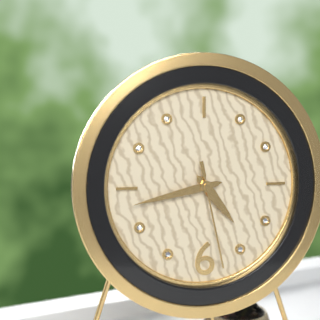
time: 4:43:28
